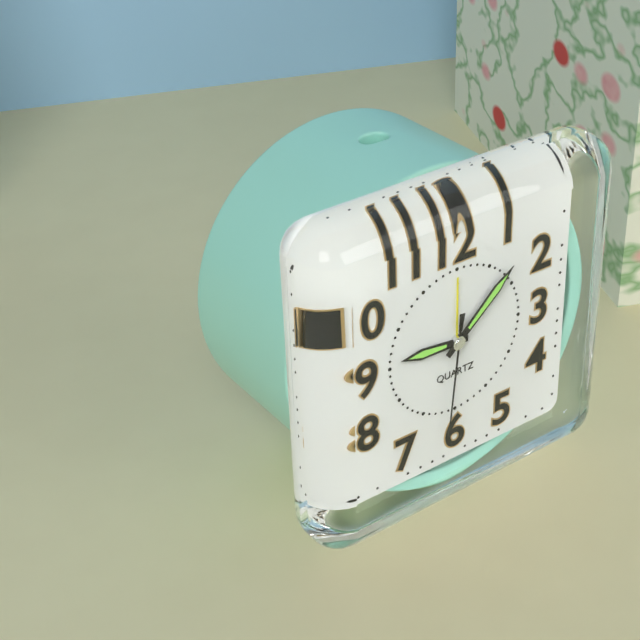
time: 9:08:31
